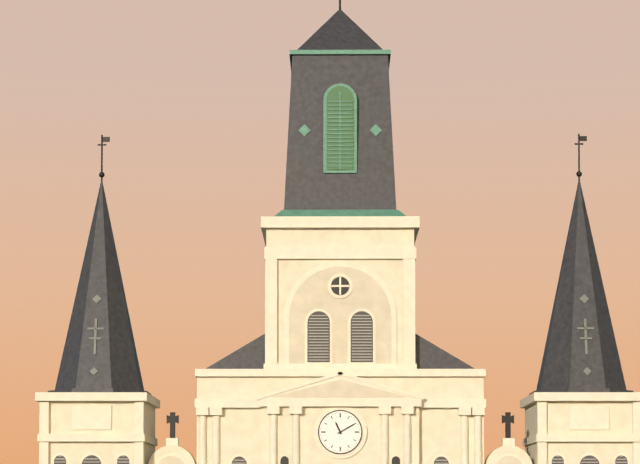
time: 11:10
